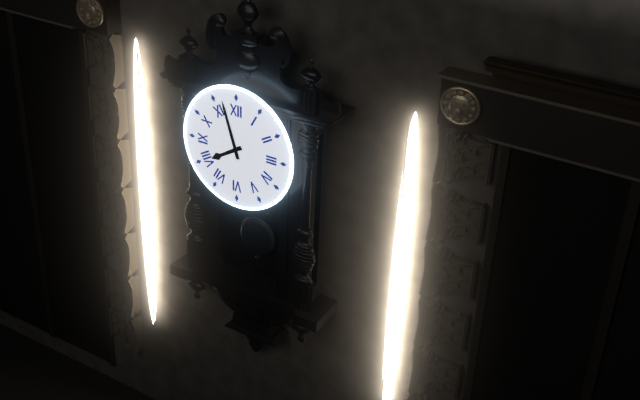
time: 7:57
